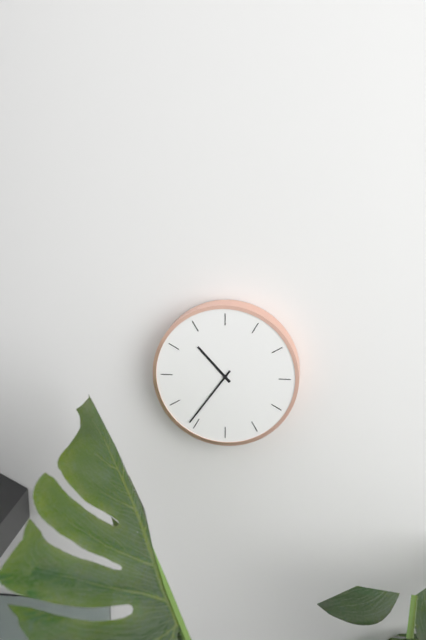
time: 10:36
